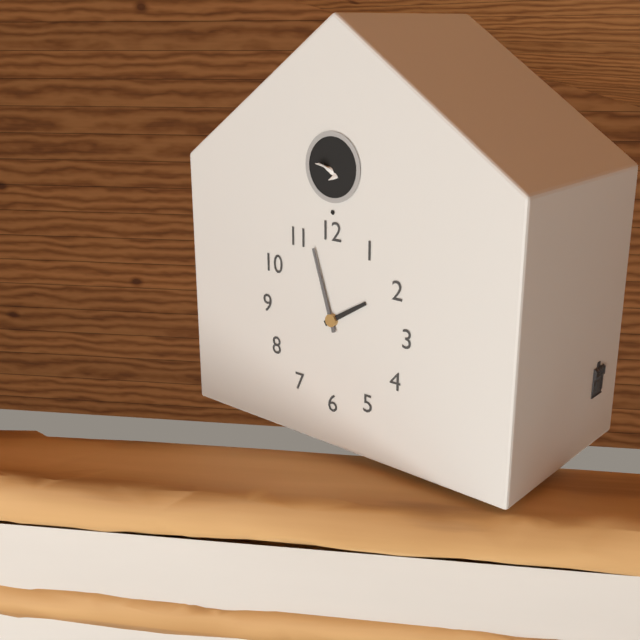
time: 1:57
